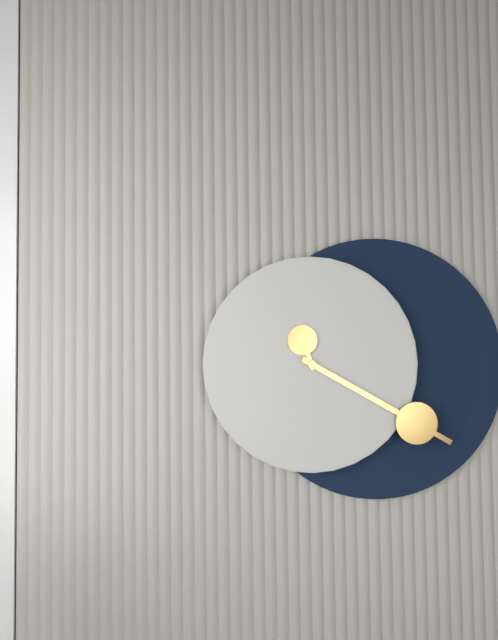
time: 11:20
